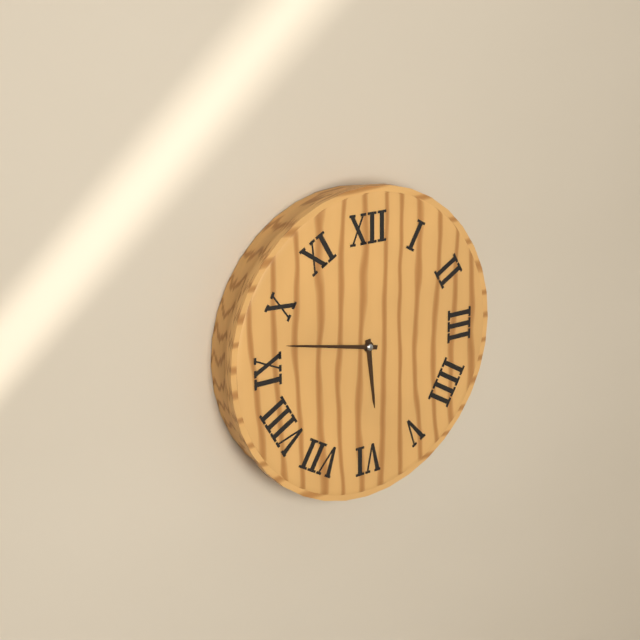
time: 5:47
